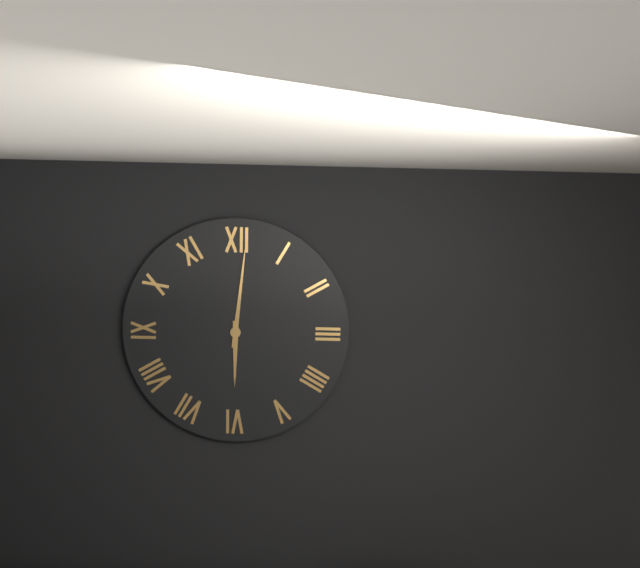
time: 6:01
